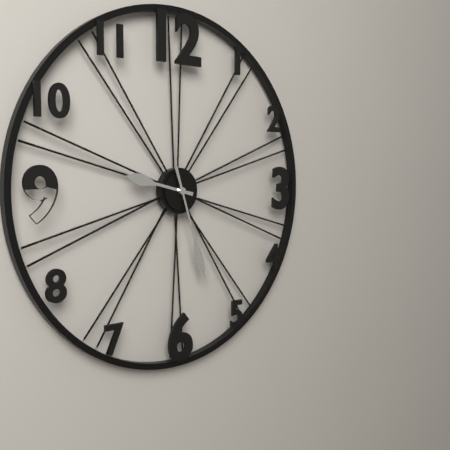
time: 9:27
